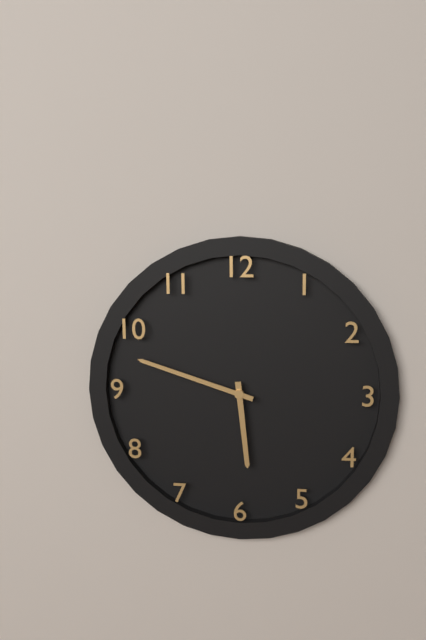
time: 5:48
